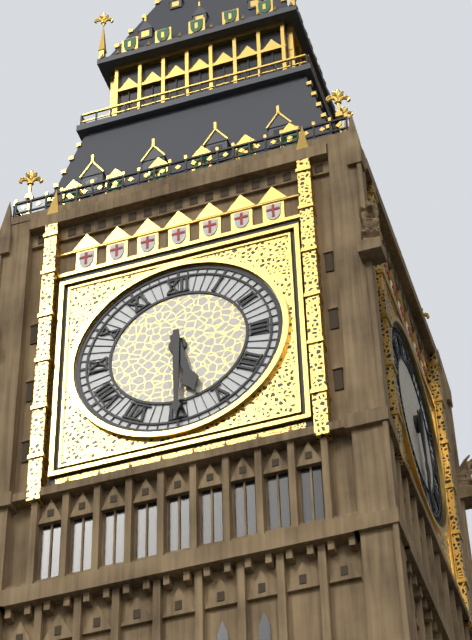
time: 5:30
